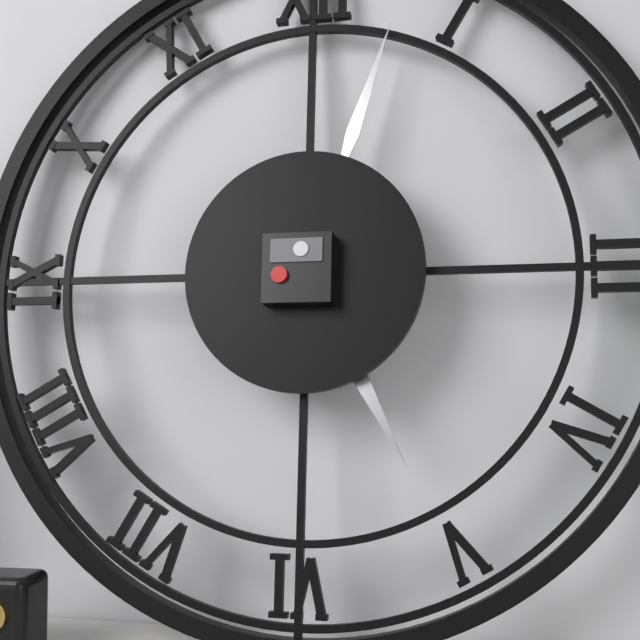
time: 5:03
